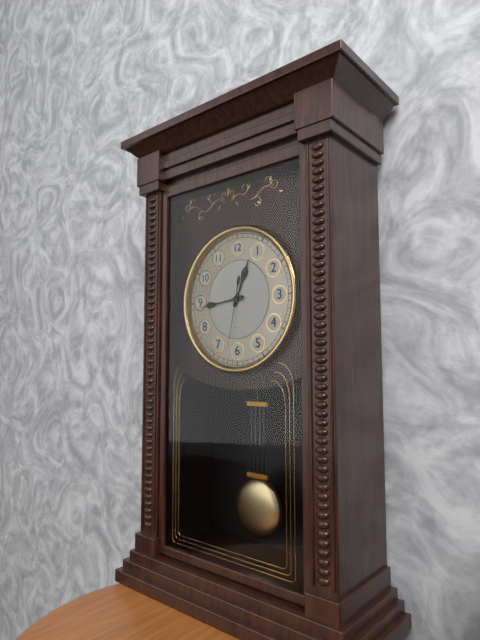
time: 12:44:32
